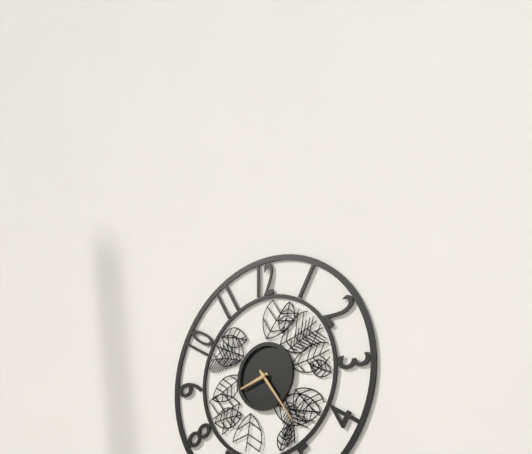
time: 8:24
